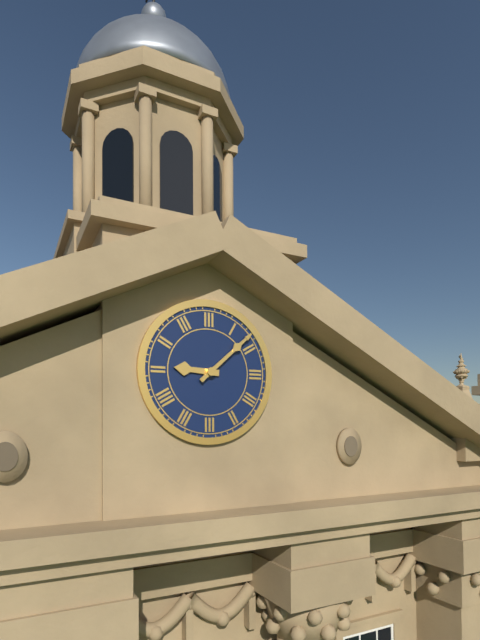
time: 9:08
